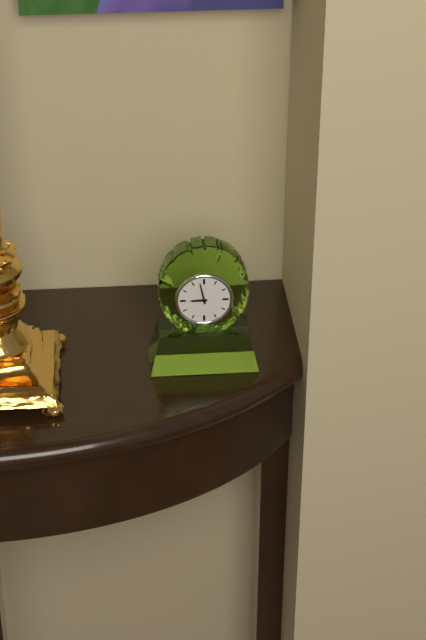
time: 8:58
